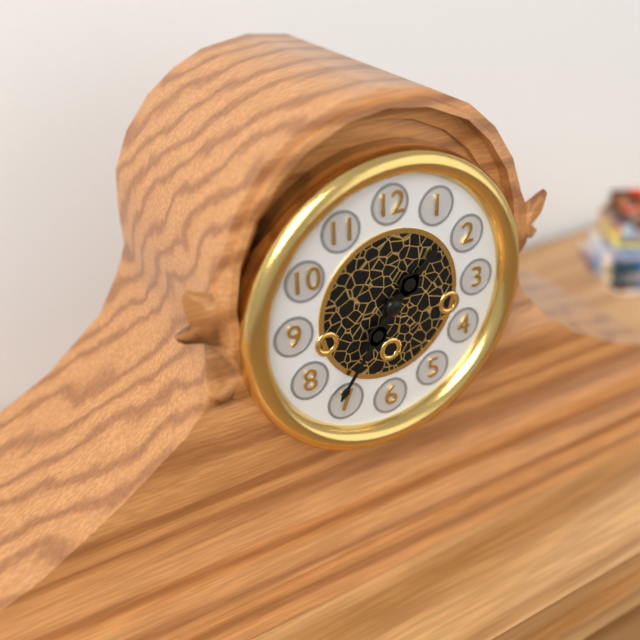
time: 1:36
